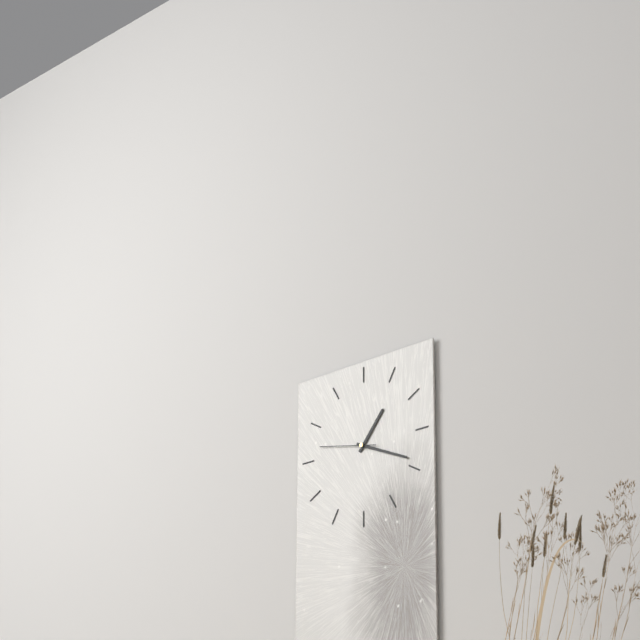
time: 1:19:47
